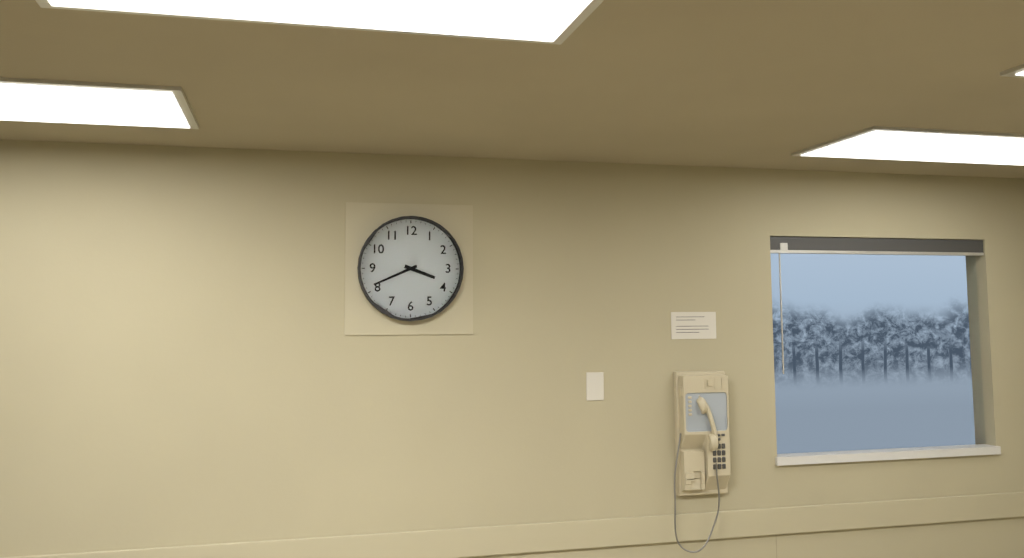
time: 3:41
